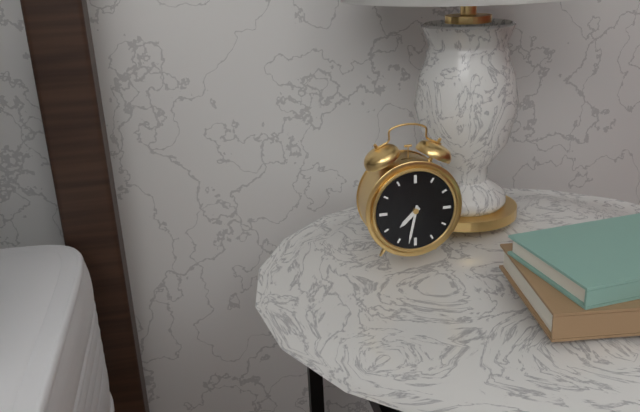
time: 7:32
